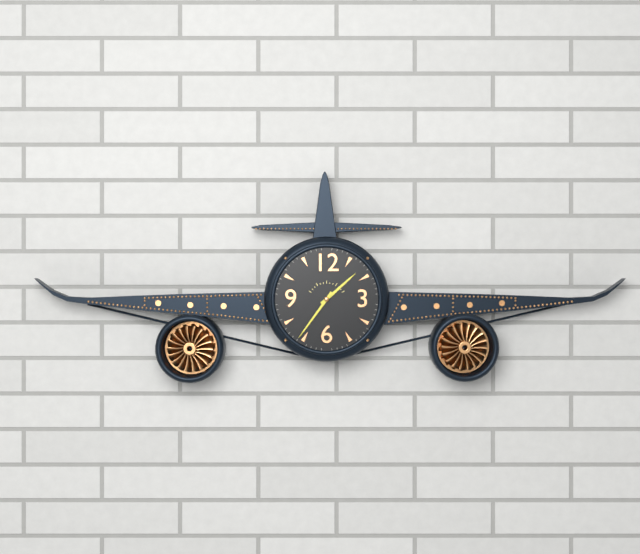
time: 1:36
